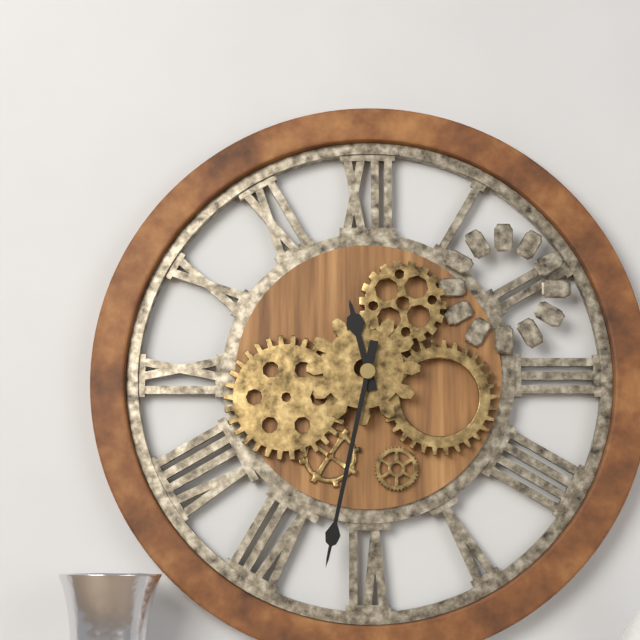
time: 11:32
